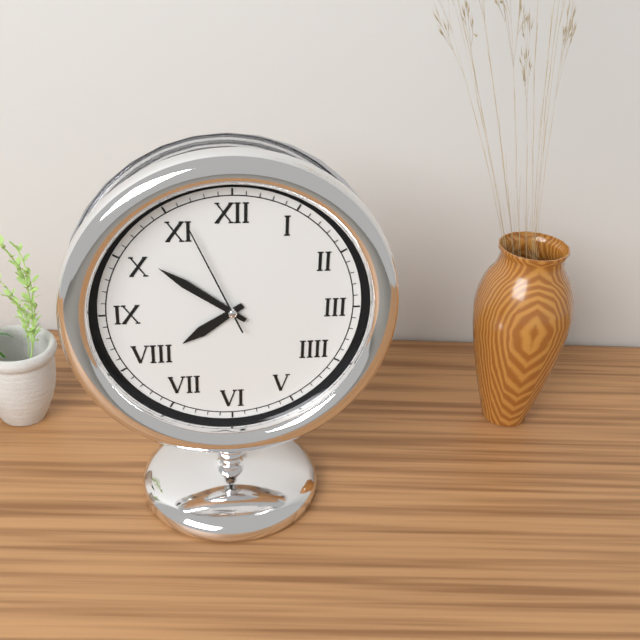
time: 7:51:56
